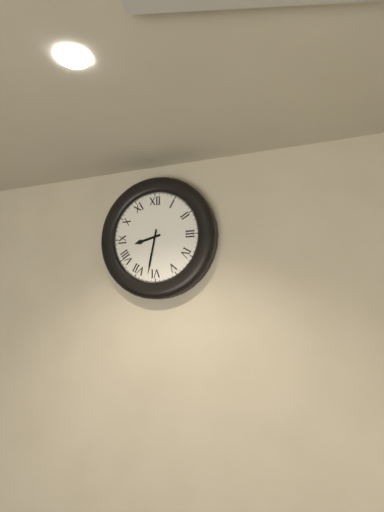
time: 8:32
